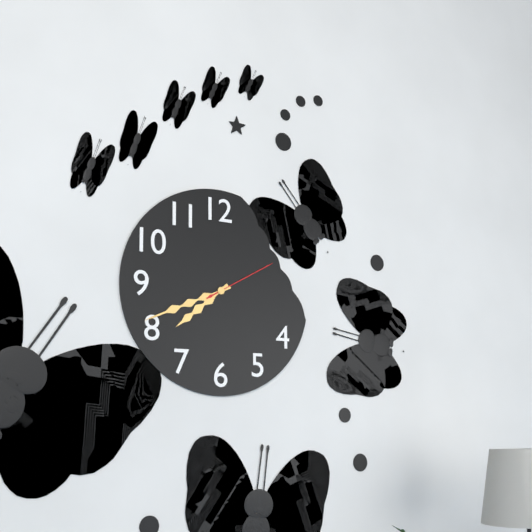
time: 7:41:10
